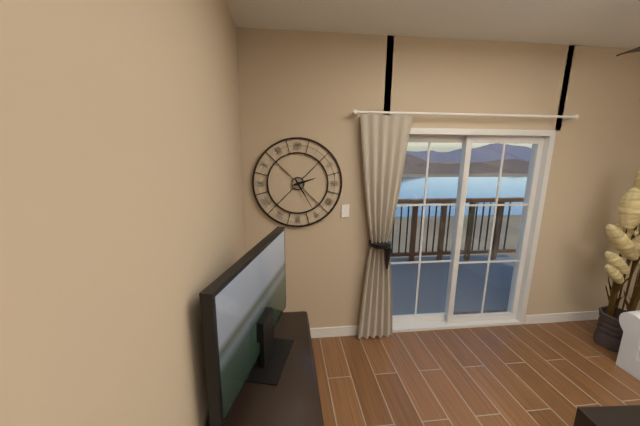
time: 2:25
